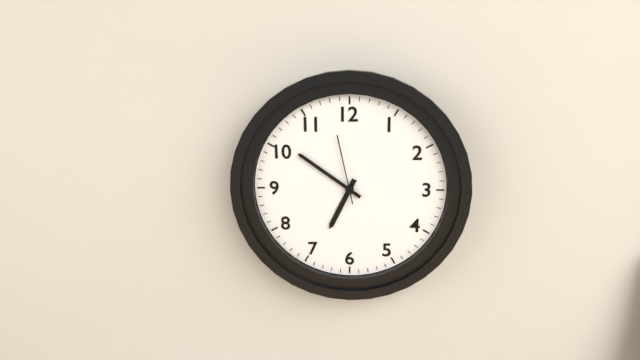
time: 6:51:58
